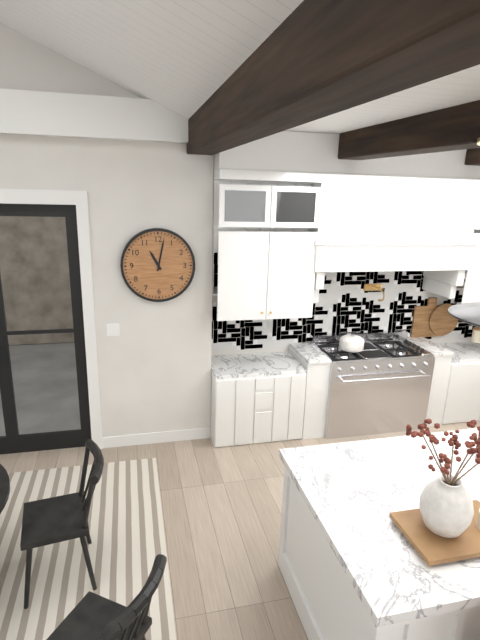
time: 11:02
